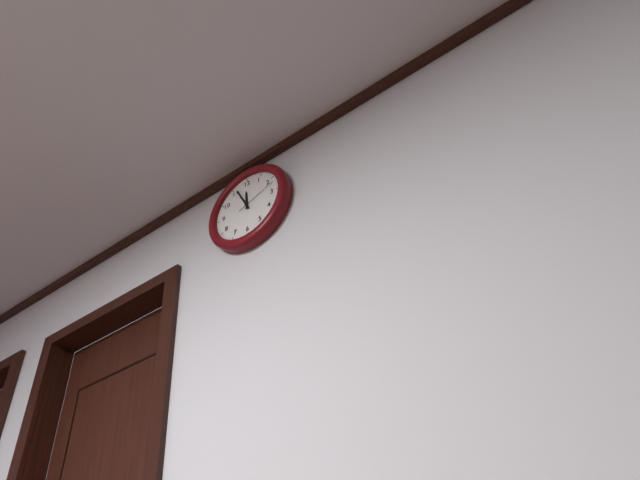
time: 11:56
